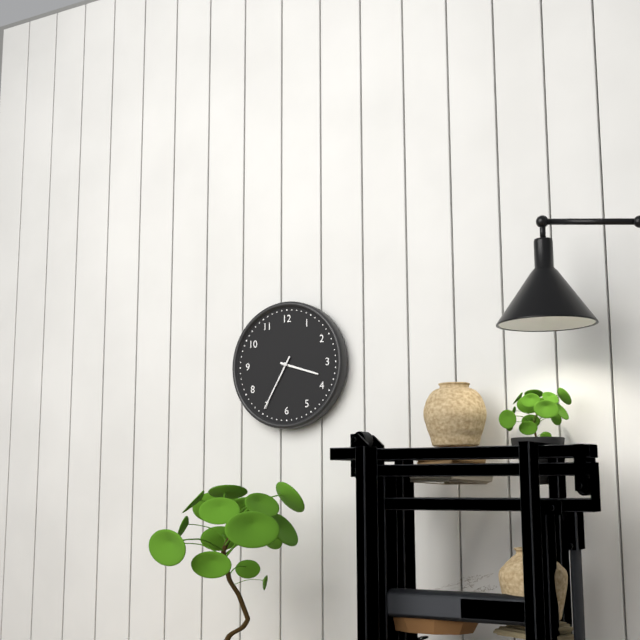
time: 3:35
